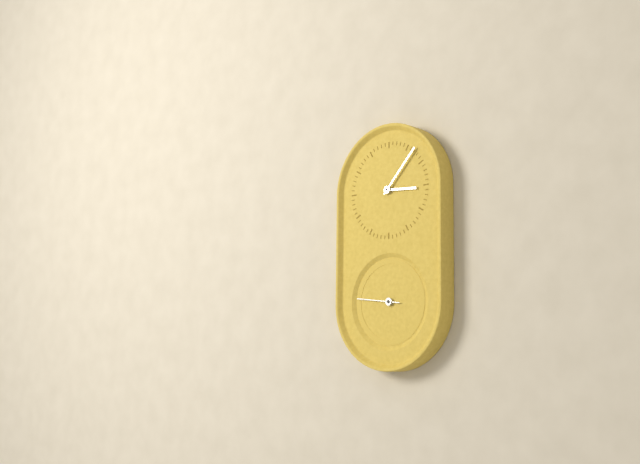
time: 3:07
